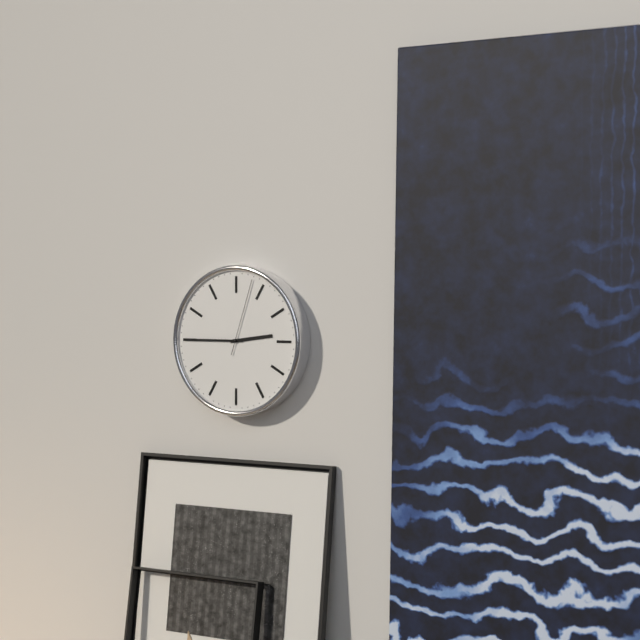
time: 2:45:03
